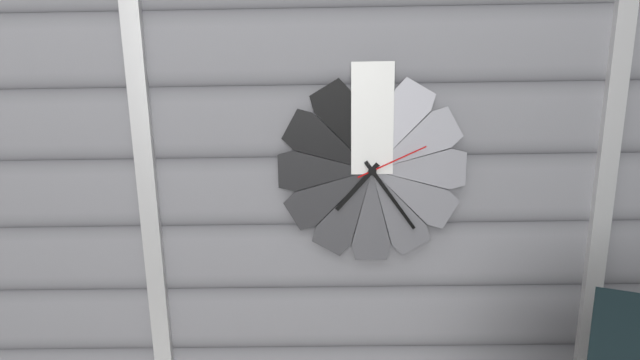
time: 7:24:11
